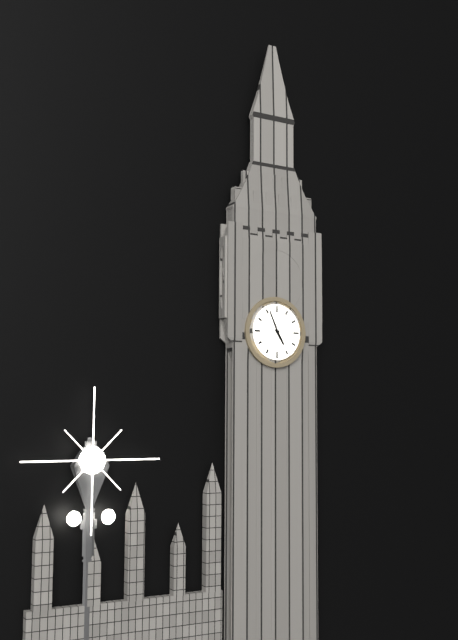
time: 4:56
